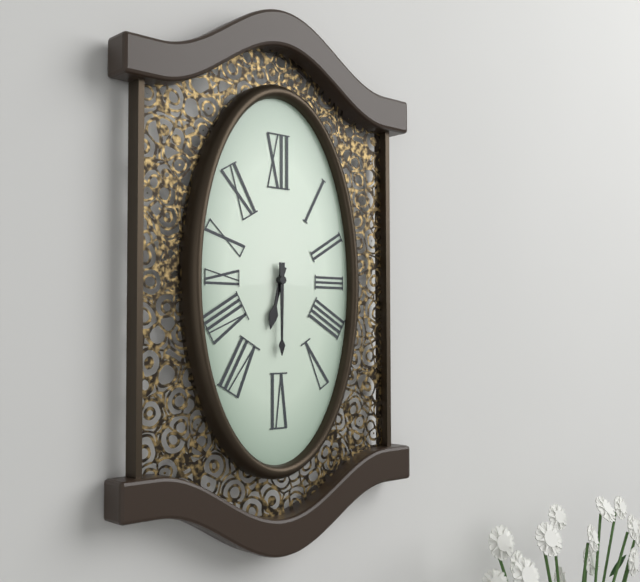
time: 6:30
